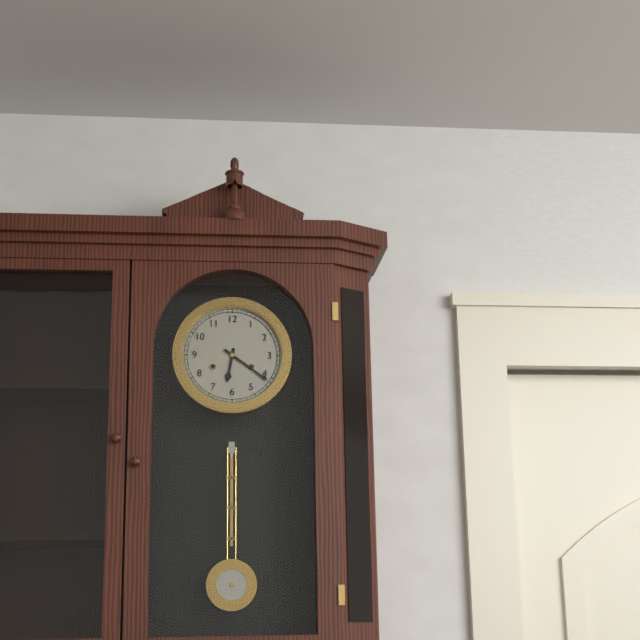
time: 6:21
